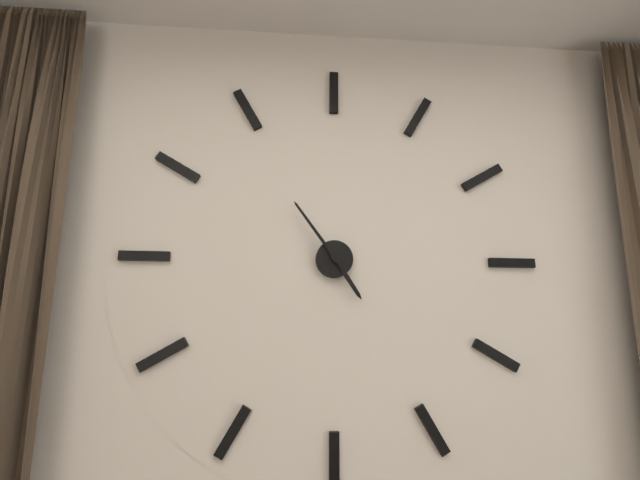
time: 4:54
